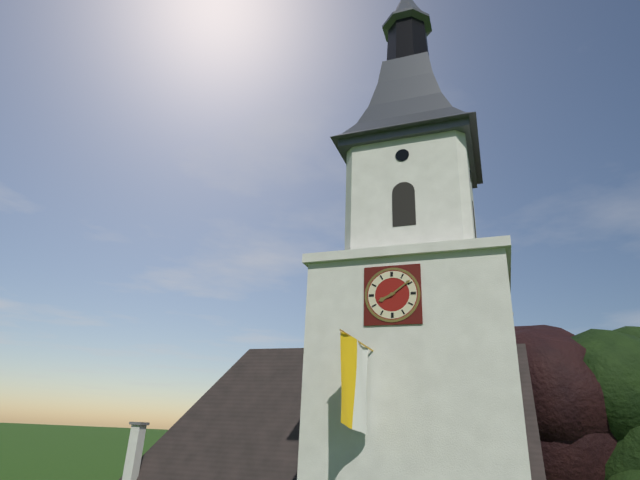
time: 8:09
